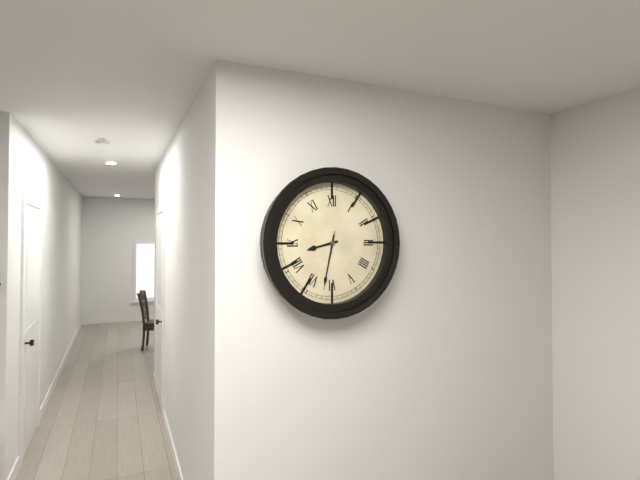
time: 8:32:32
